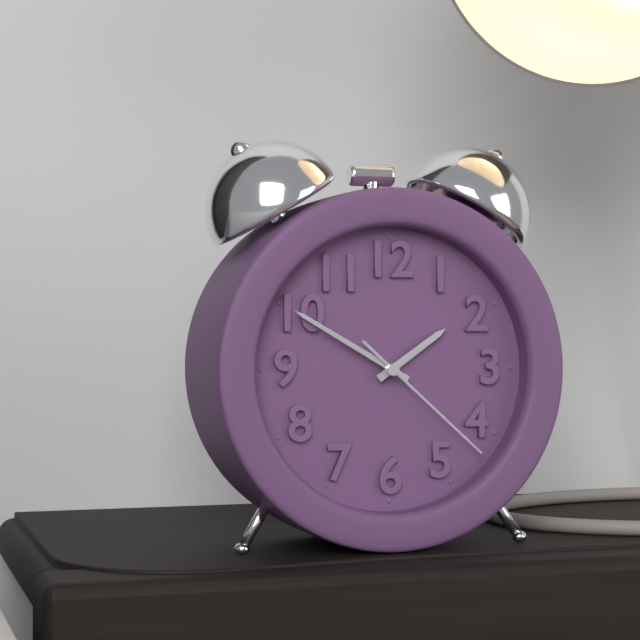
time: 1:50:22
